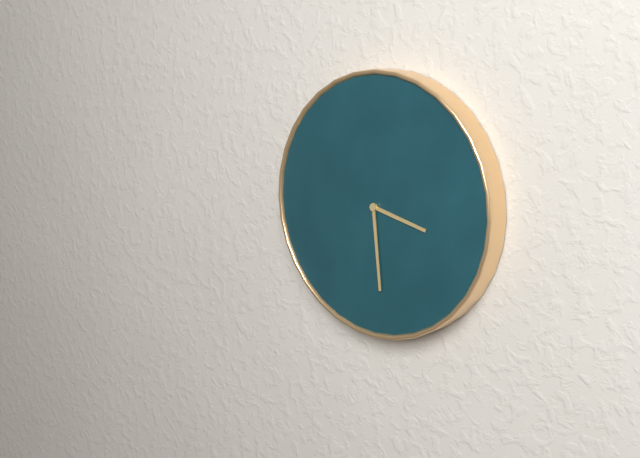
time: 3:29
